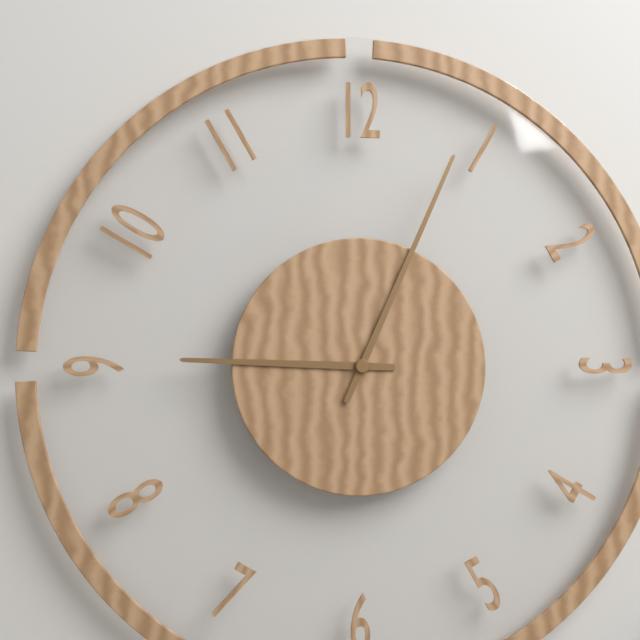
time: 9:04
